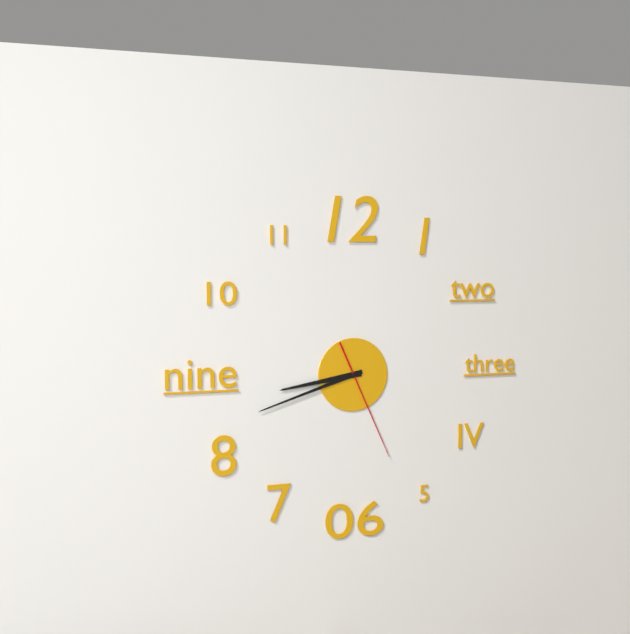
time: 8:42:26
